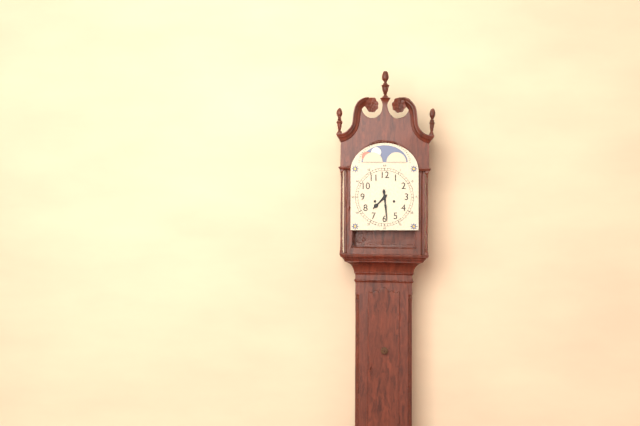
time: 7:29
